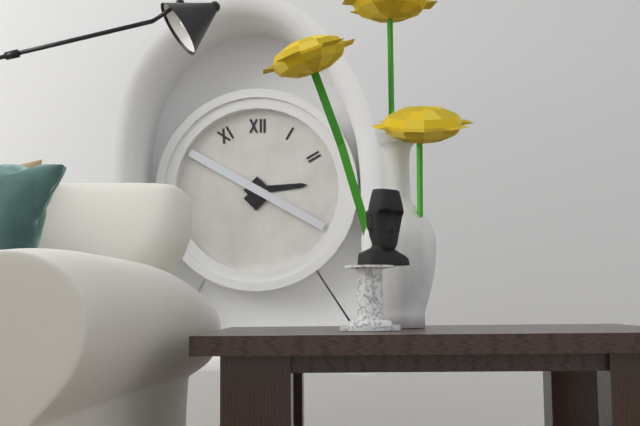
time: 2:50
